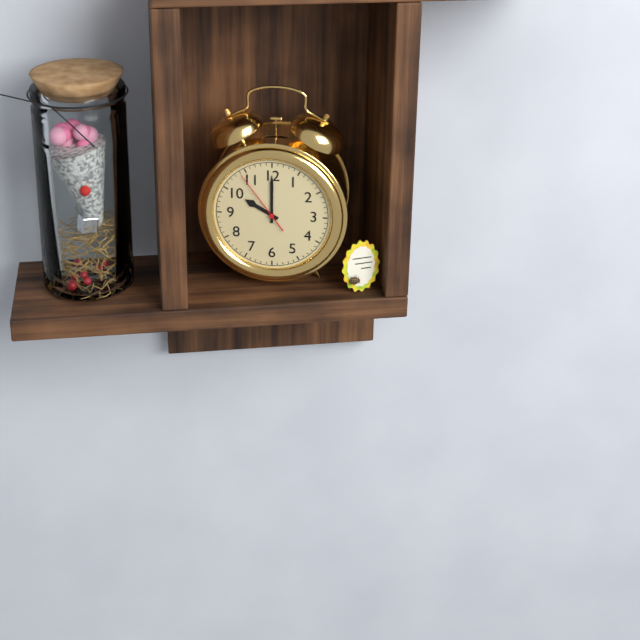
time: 10:00:54
